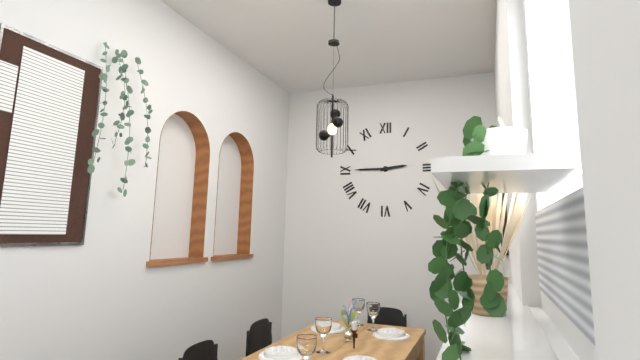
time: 2:45
